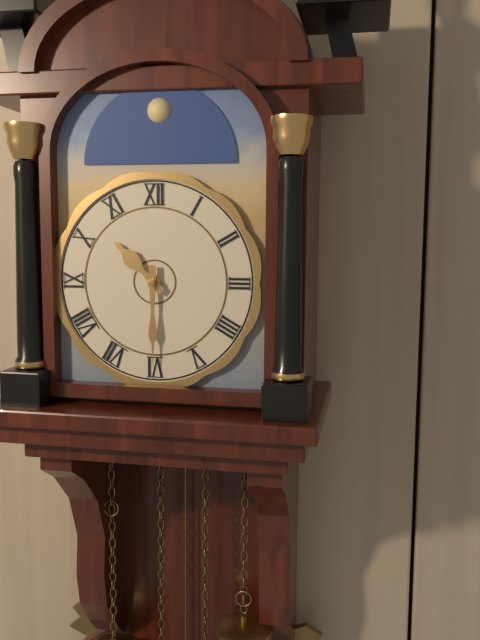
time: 10:30
